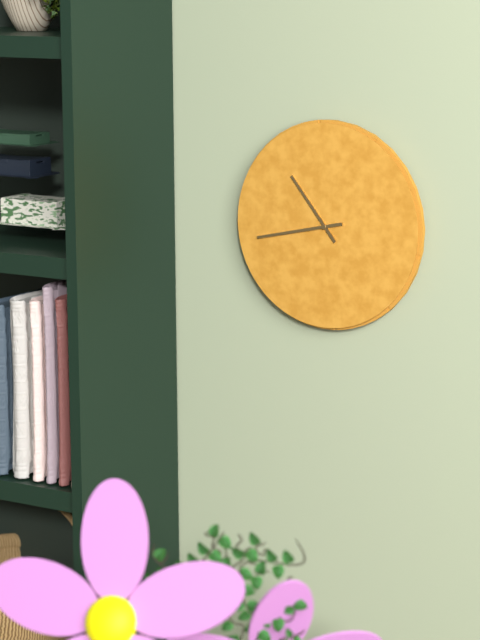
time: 10:43
